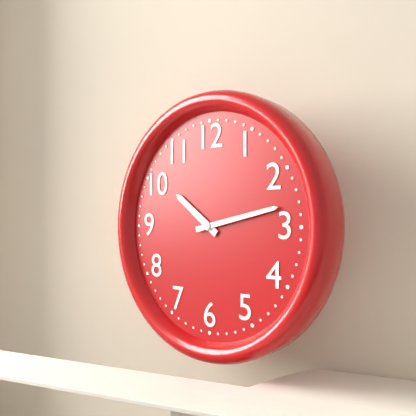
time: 10:13
